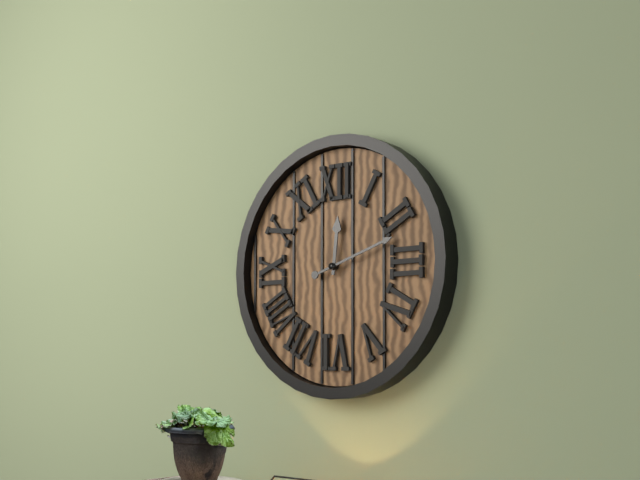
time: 12:12
